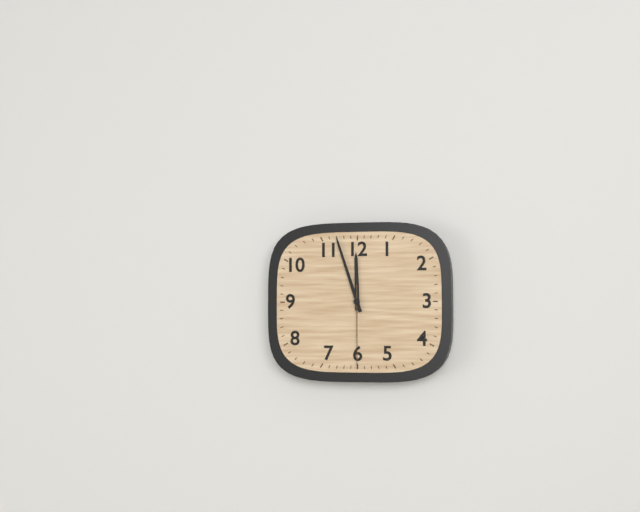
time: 11:57:30
